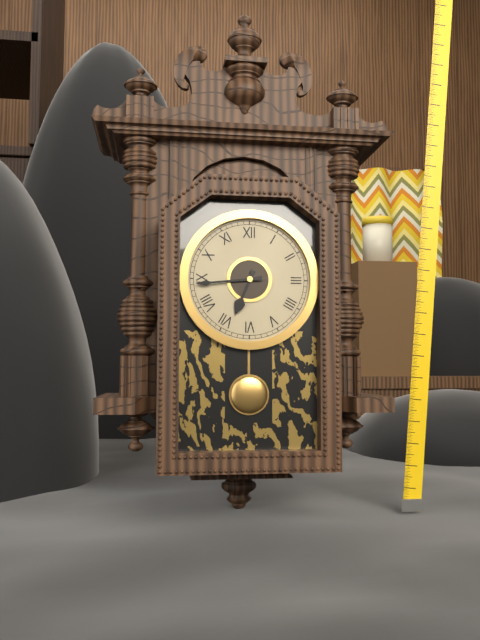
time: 6:44
